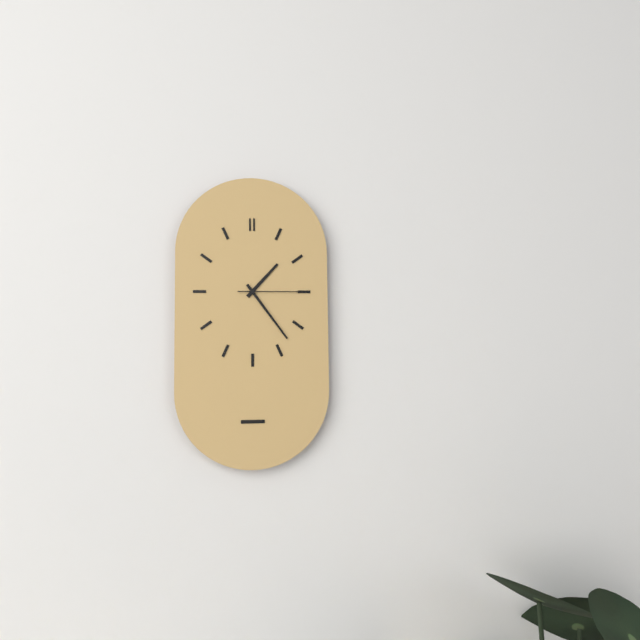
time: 1:24:15
